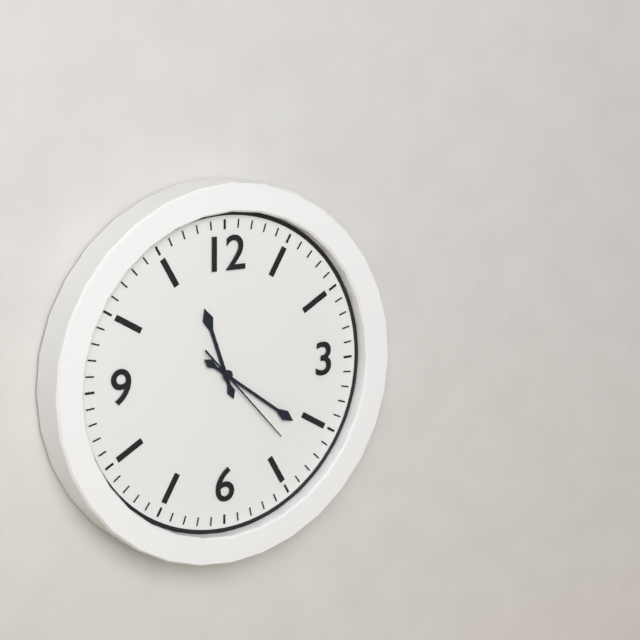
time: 11:21:23
